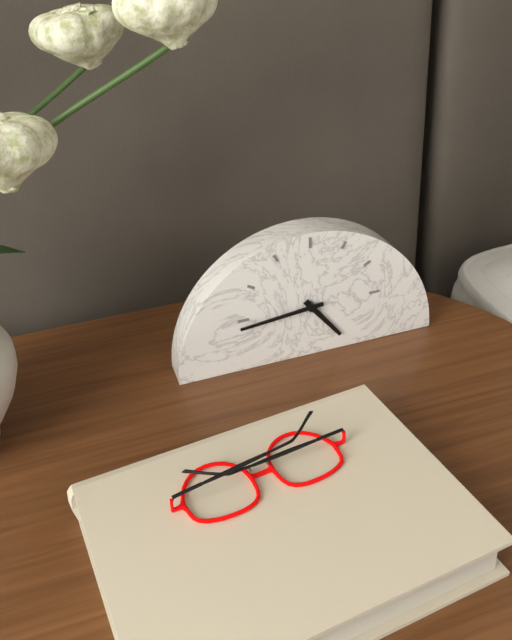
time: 4:44
